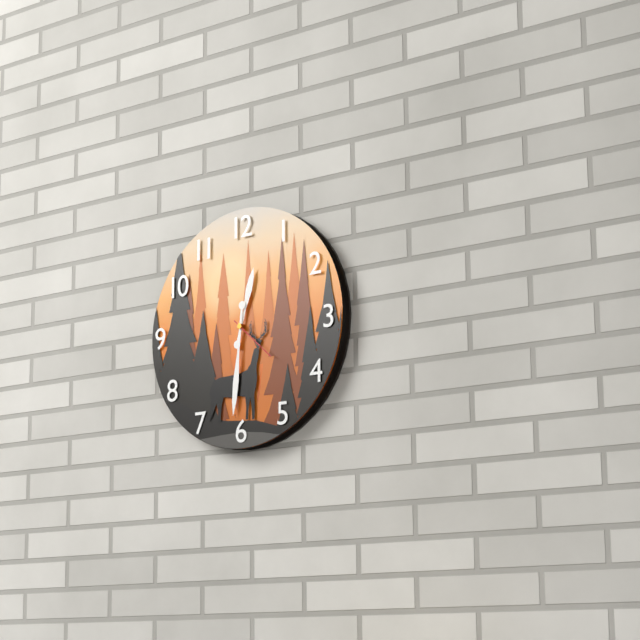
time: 12:31:22
